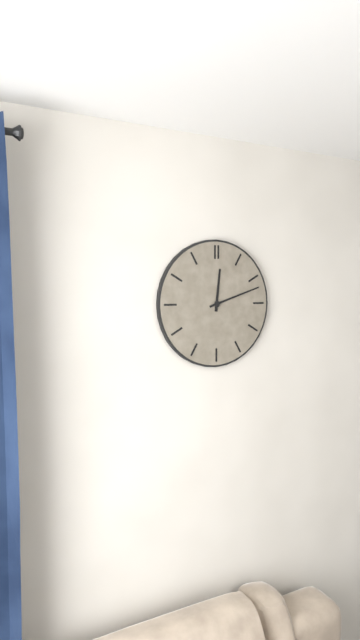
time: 12:12
